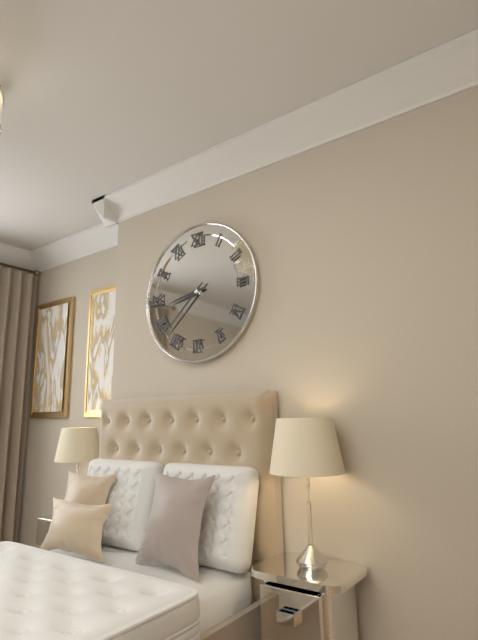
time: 8:38
